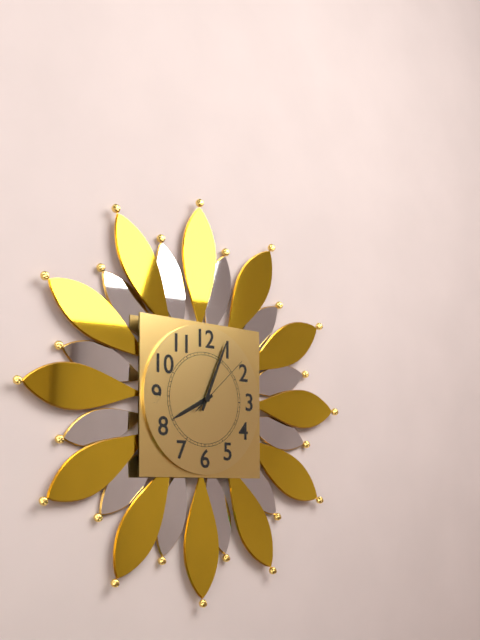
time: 8:04:08
